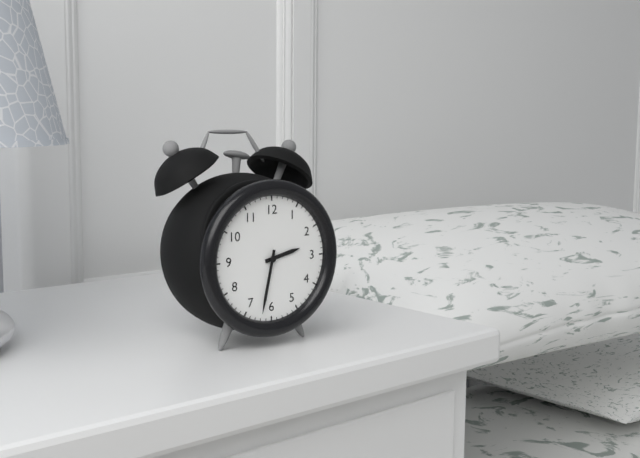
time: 2:32
